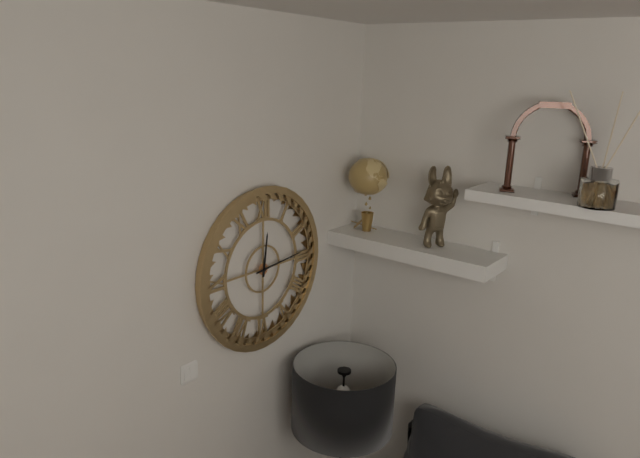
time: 12:14
